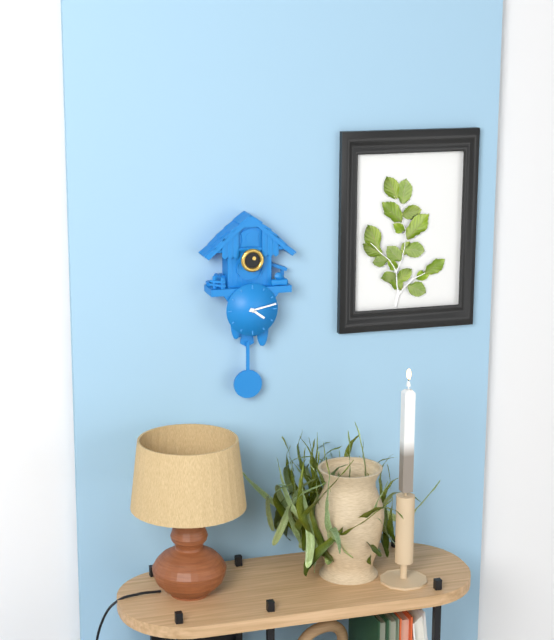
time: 4:13
